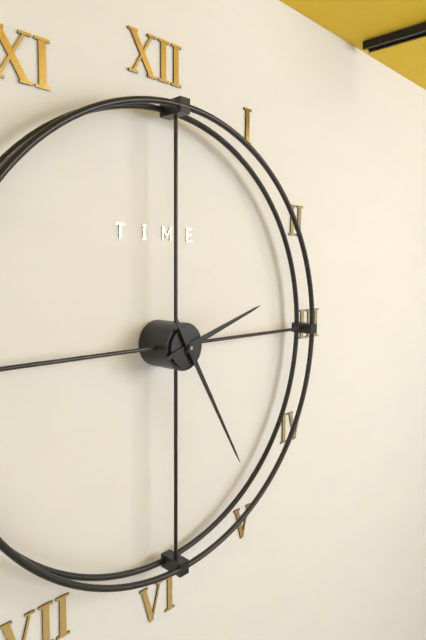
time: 2:25
